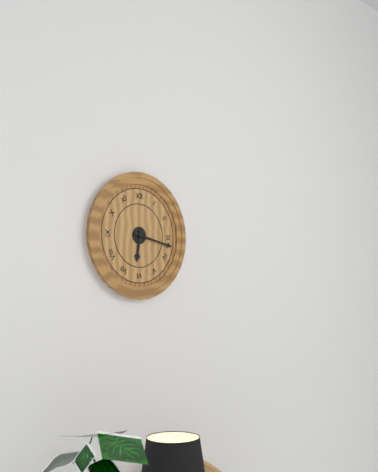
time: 6:17
